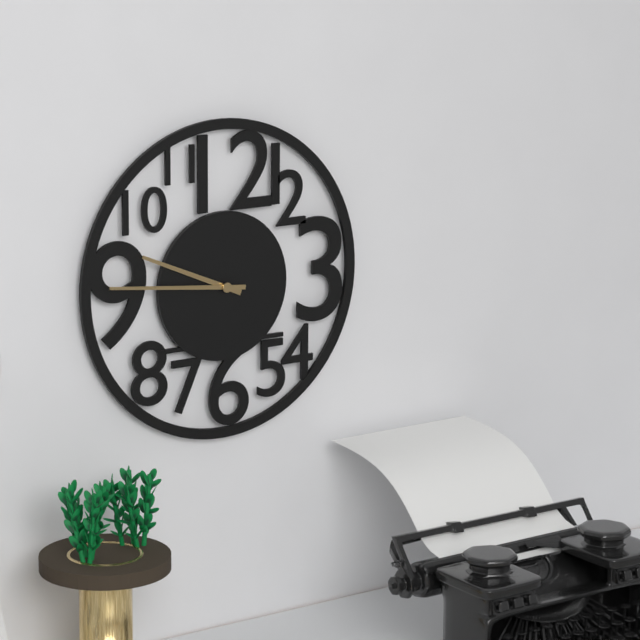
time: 9:46
